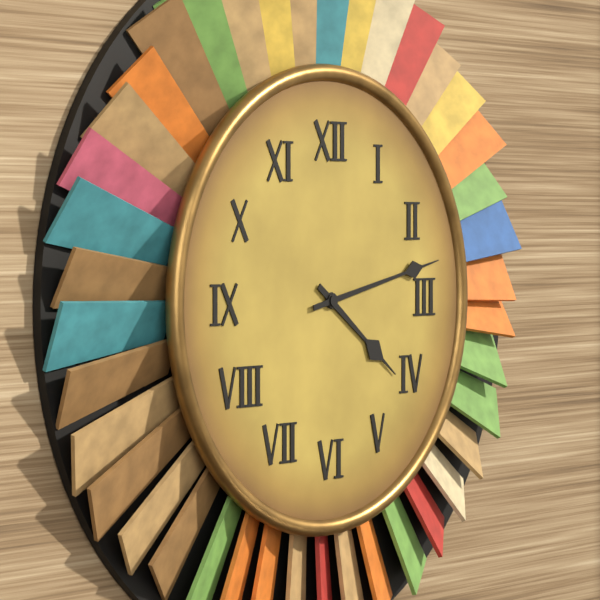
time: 4:13
